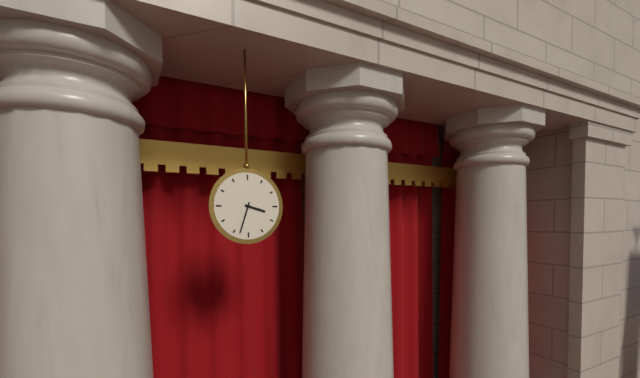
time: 3:33
